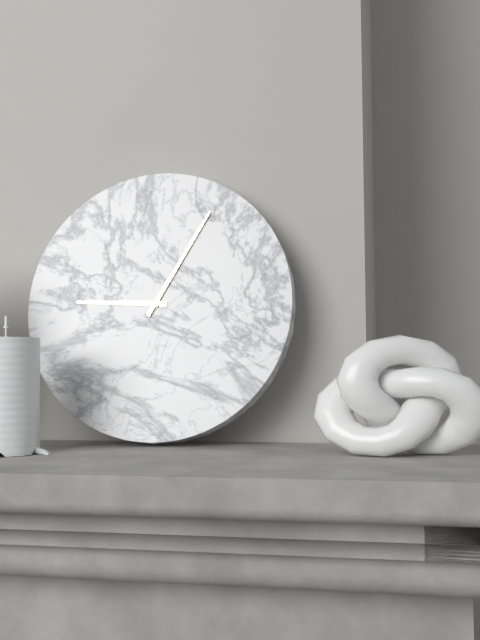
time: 9:05
